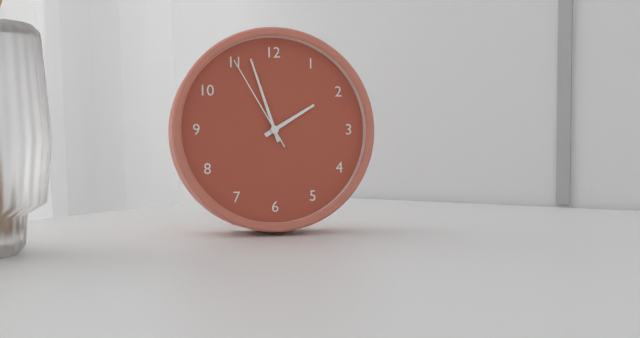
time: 1:57:55
